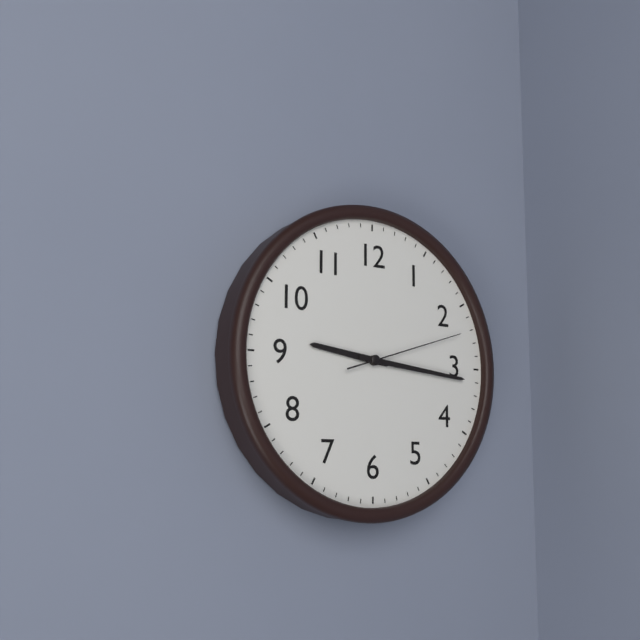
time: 9:16:12
